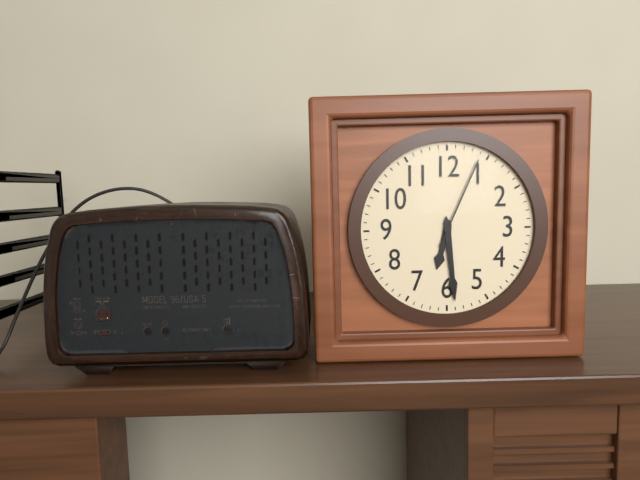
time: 6:29:04
